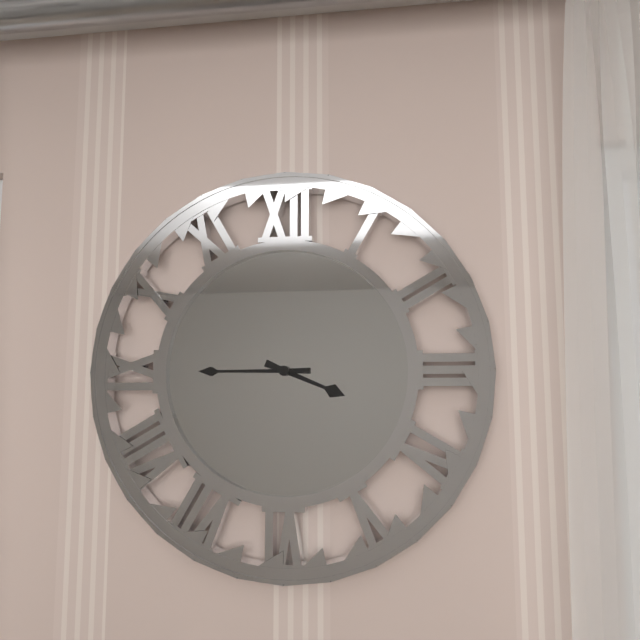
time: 3:45
